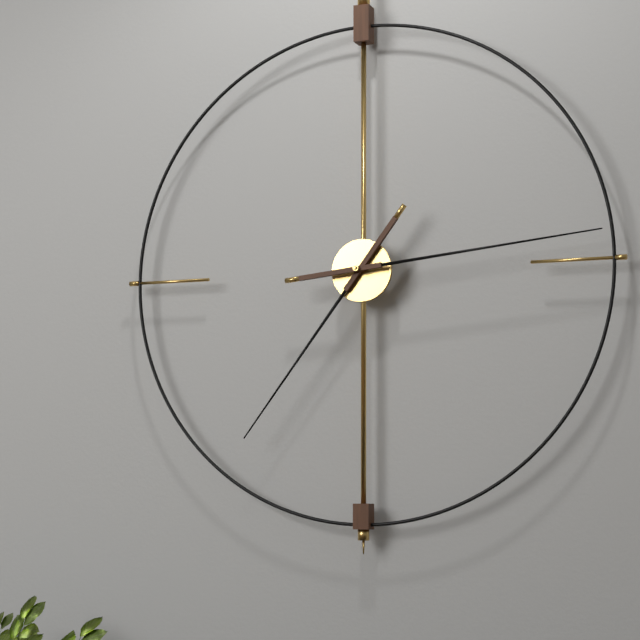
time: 7:14
